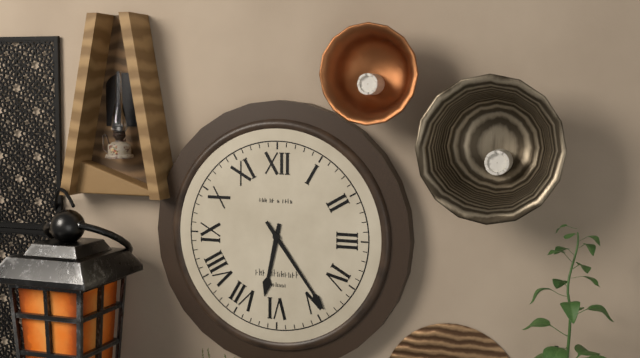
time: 6:24
